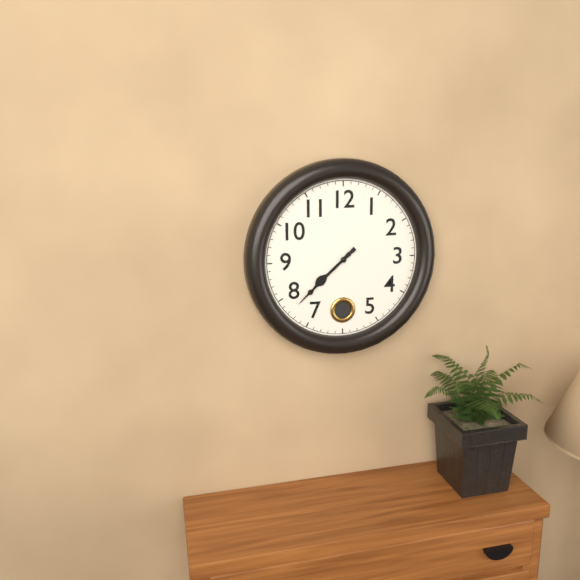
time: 7:38
